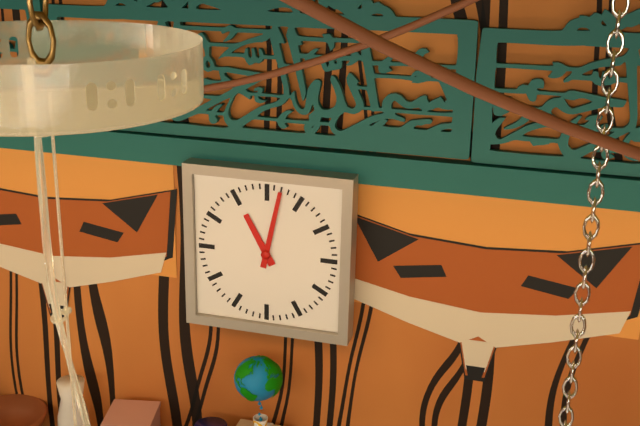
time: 11:02
